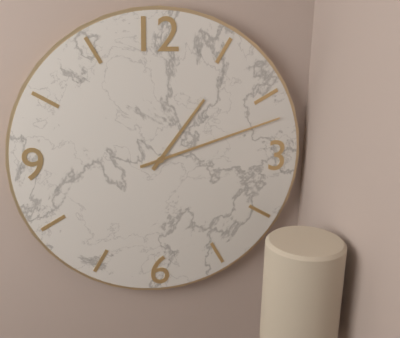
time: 1:12
